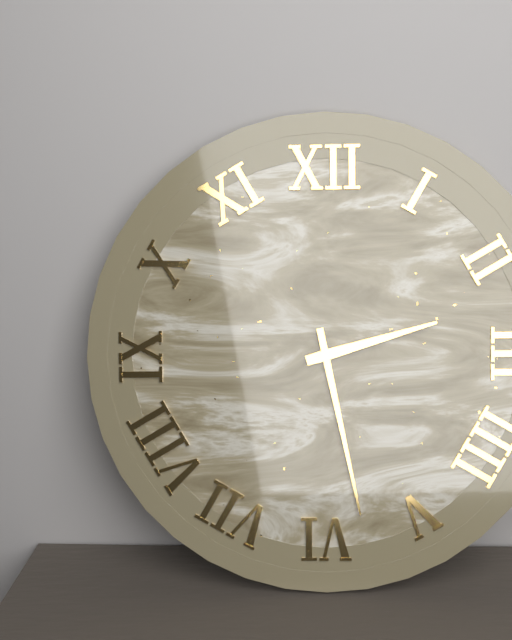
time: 2:28
